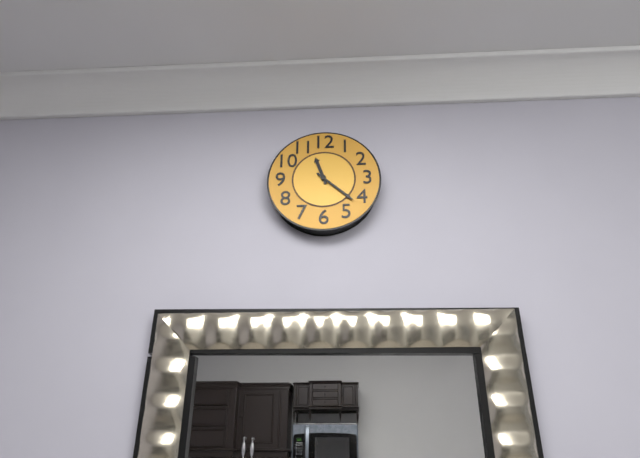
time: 11:22
